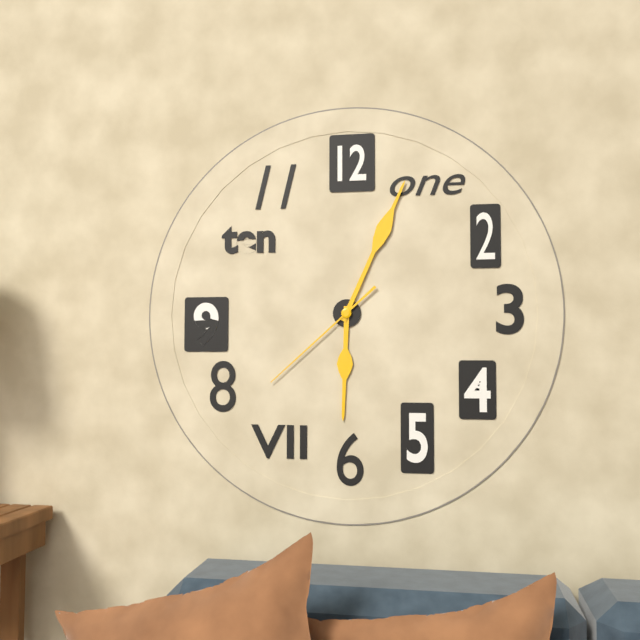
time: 6:04:38
